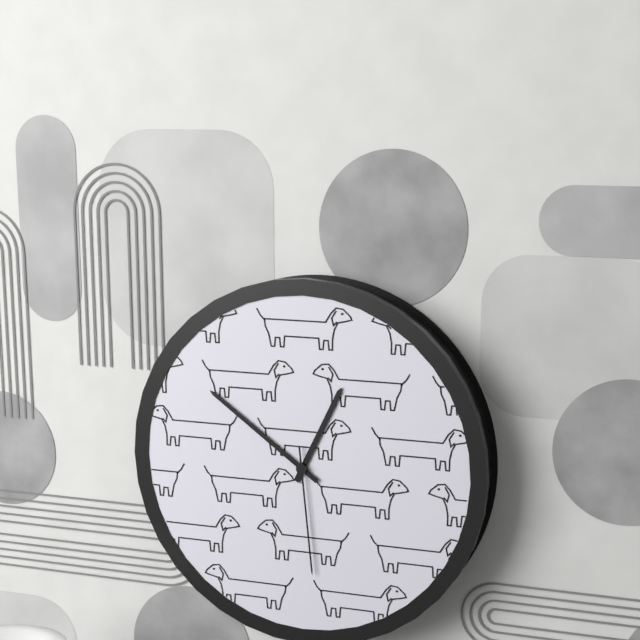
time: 12:51:29
